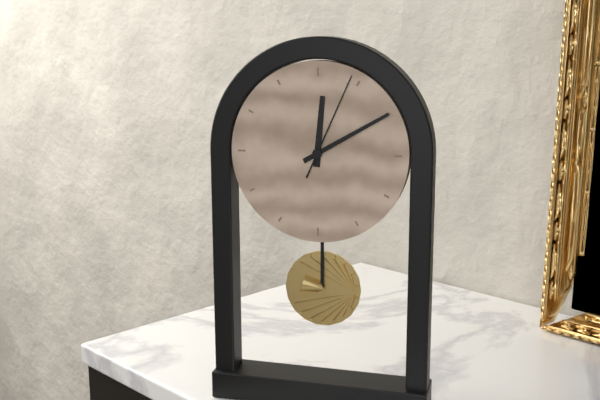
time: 12:10:04
